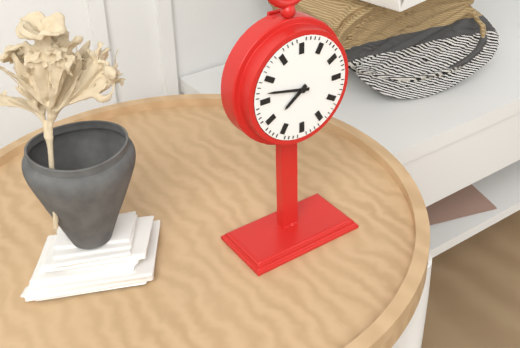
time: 7:47
